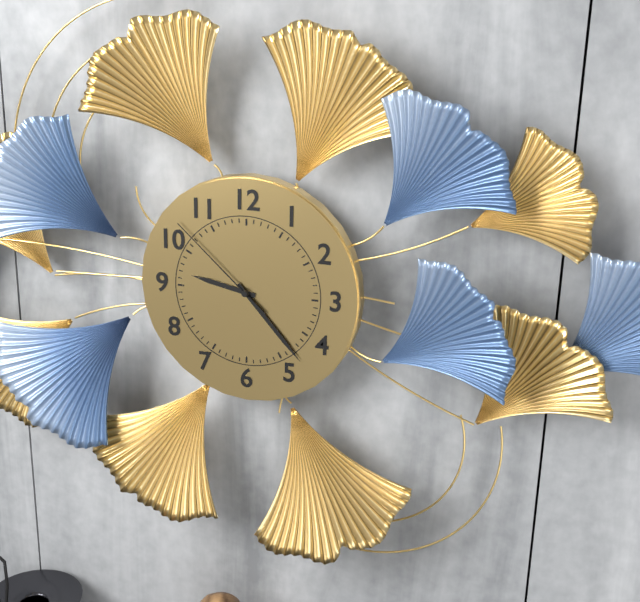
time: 9:23:52
